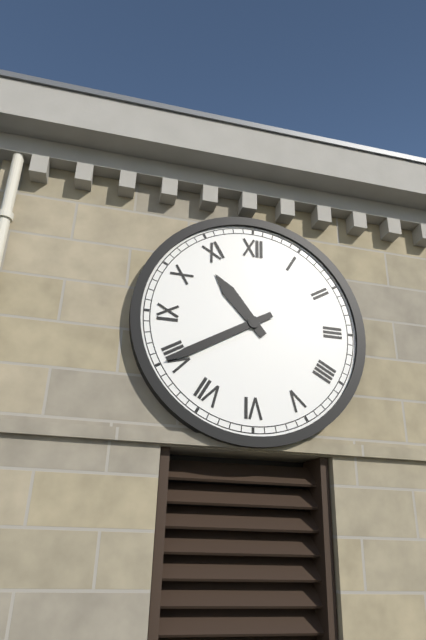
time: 10:40
